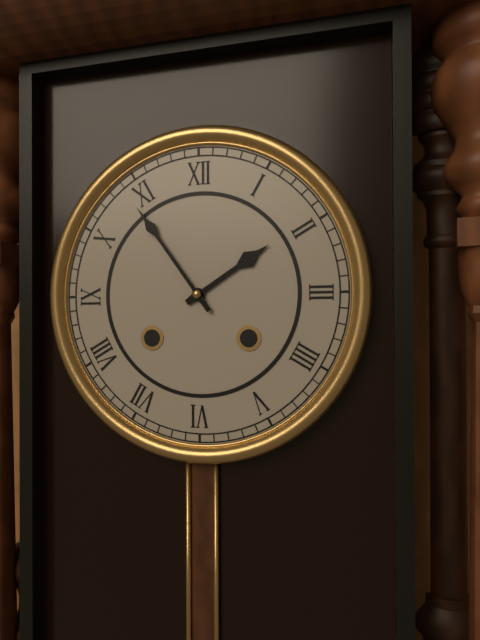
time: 1:54
